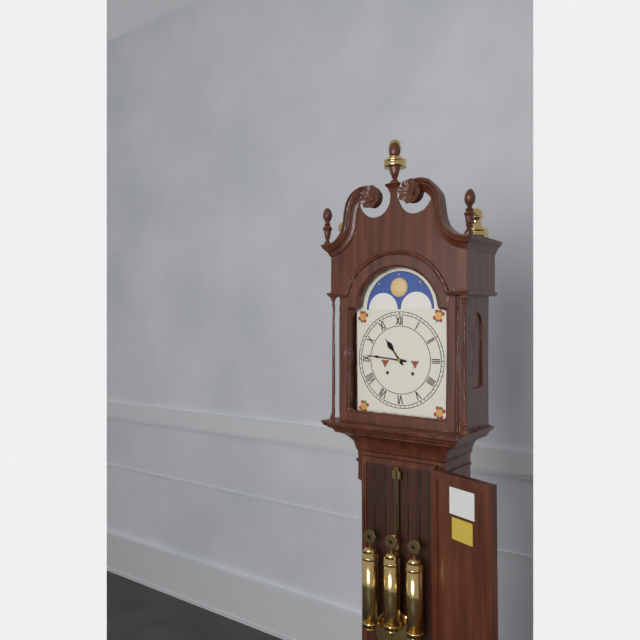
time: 10:46
